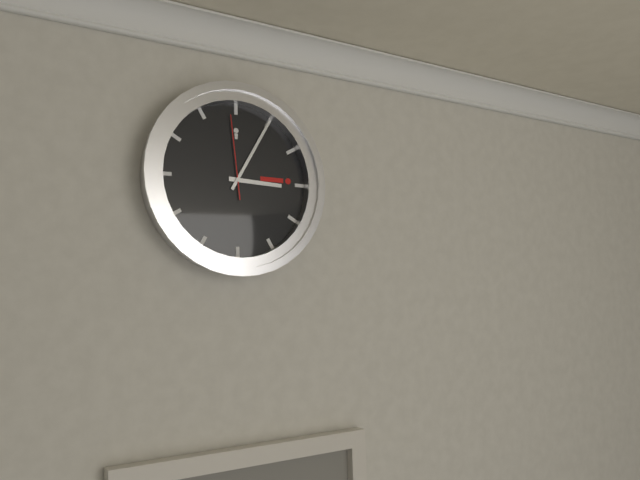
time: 3:05:59
